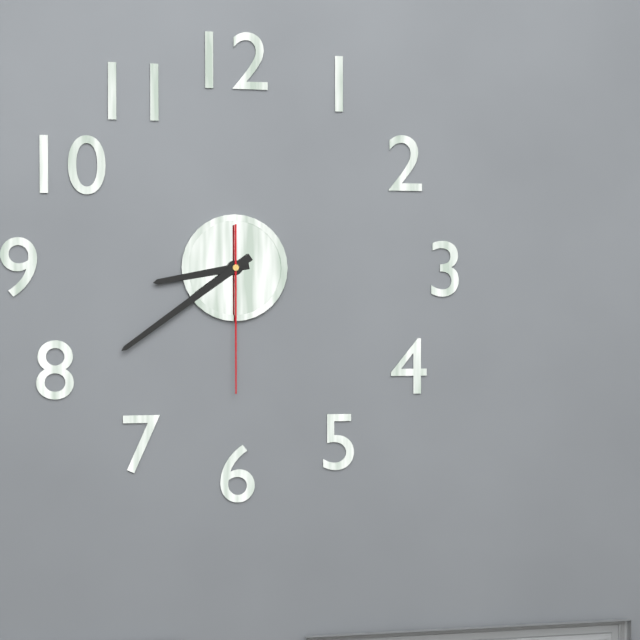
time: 8:39:30
